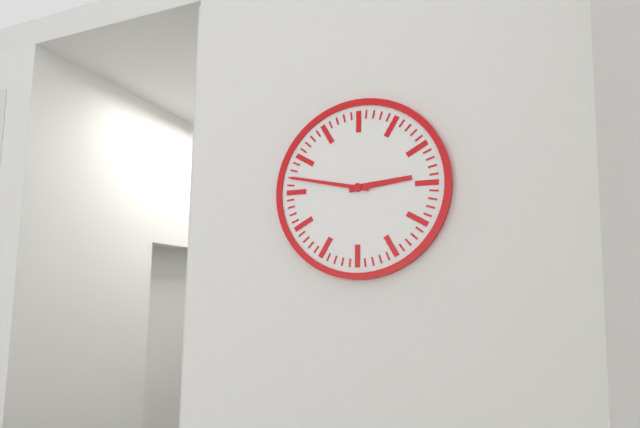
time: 2:47
